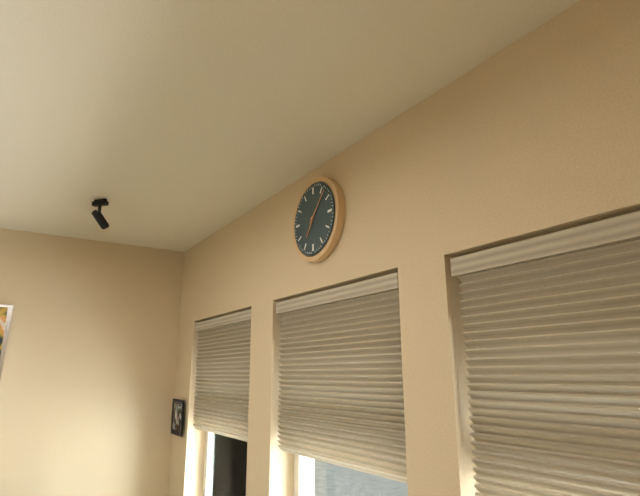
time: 7:07
